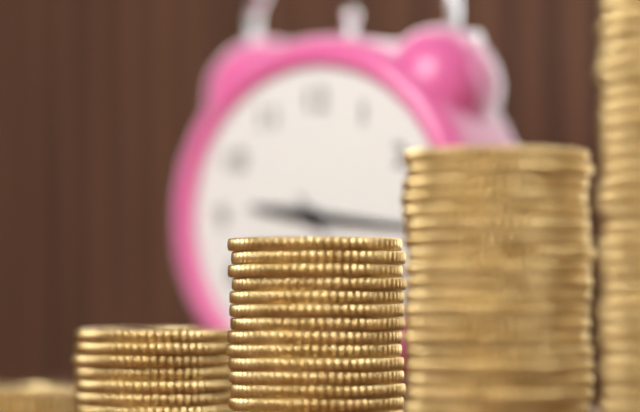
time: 9:16
